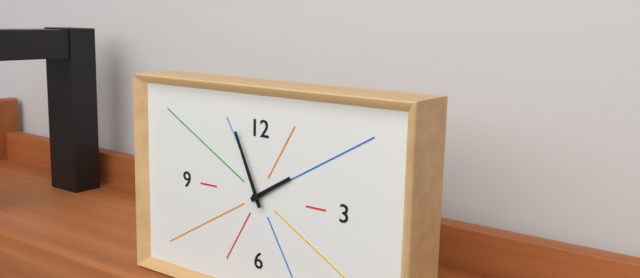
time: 1:56
